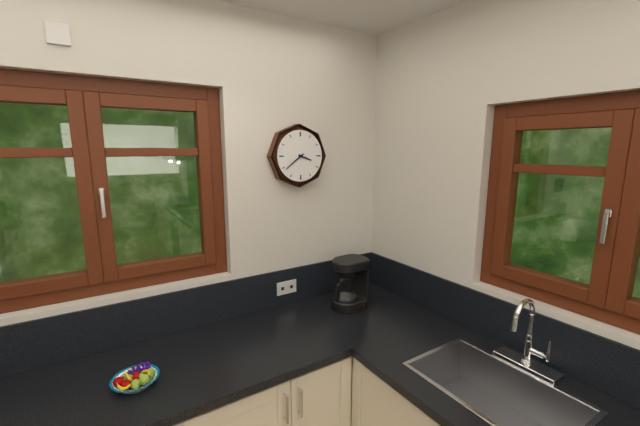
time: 3:39
